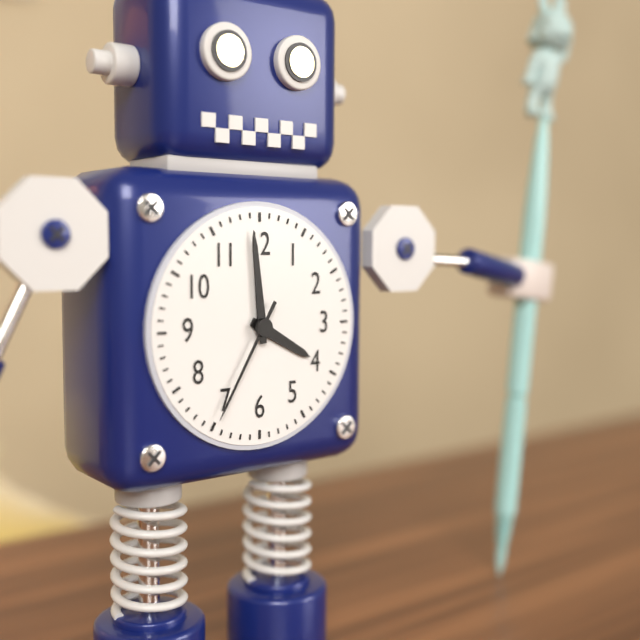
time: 3:59:35
